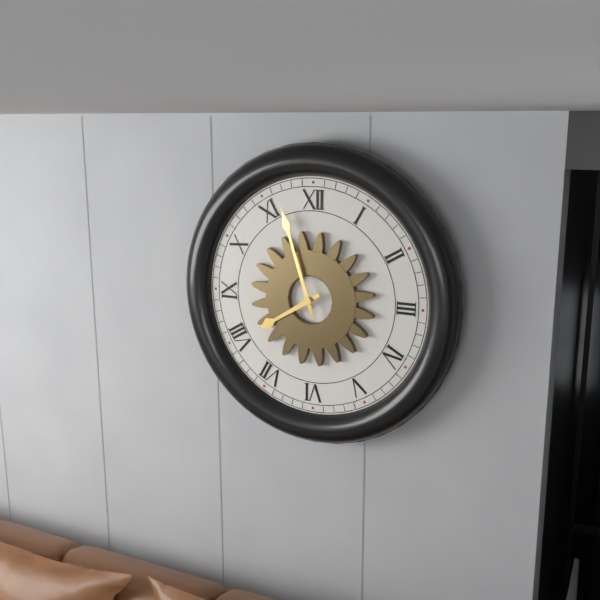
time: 7:57
